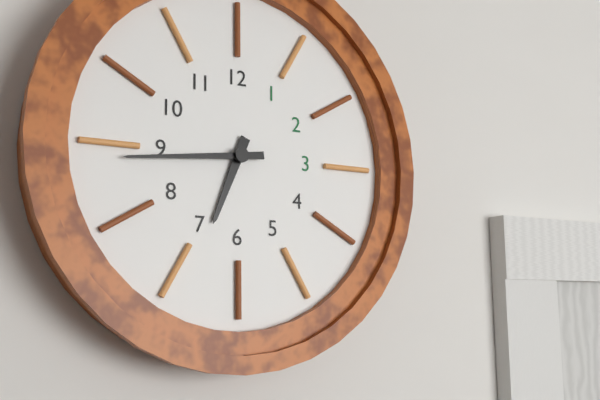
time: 6:44
